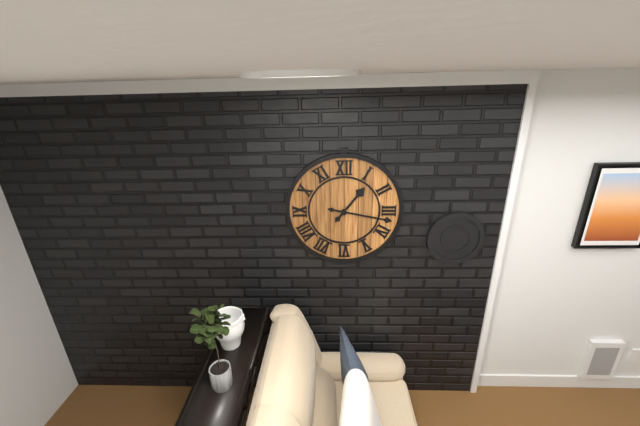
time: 1:17
